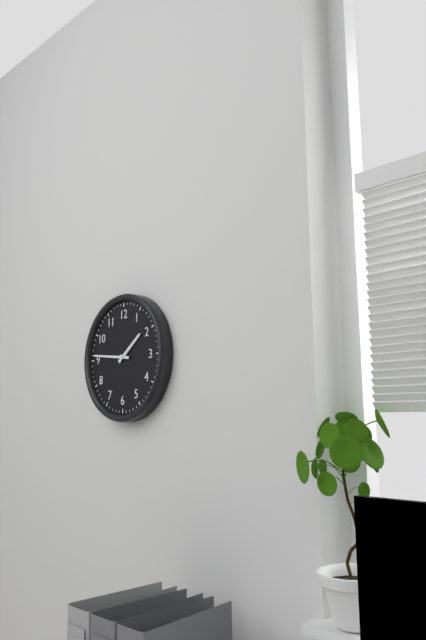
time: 1:46
